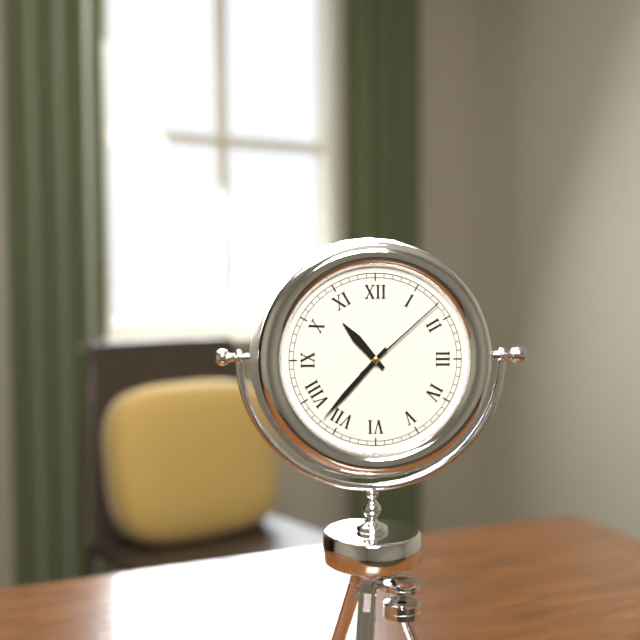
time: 10:37:08
